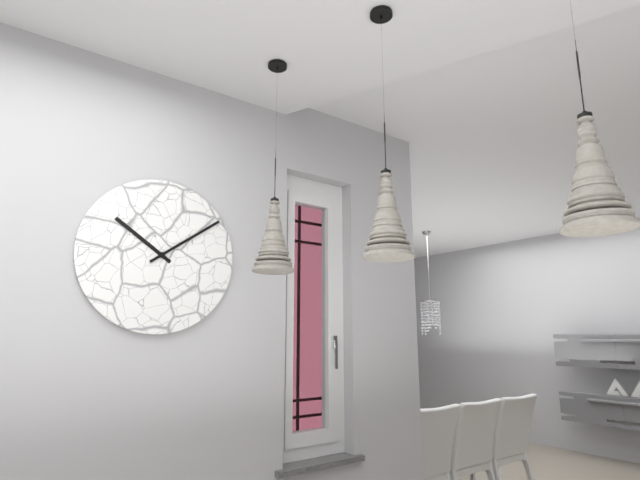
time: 10:09
